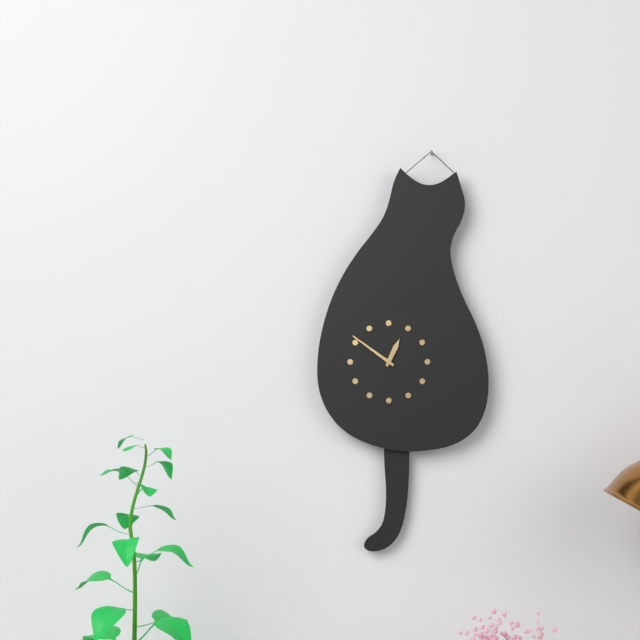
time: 12:51
